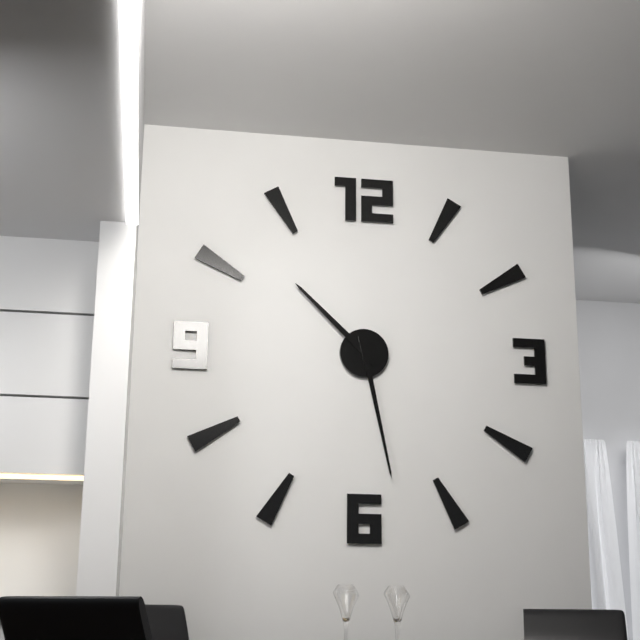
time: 10:28
